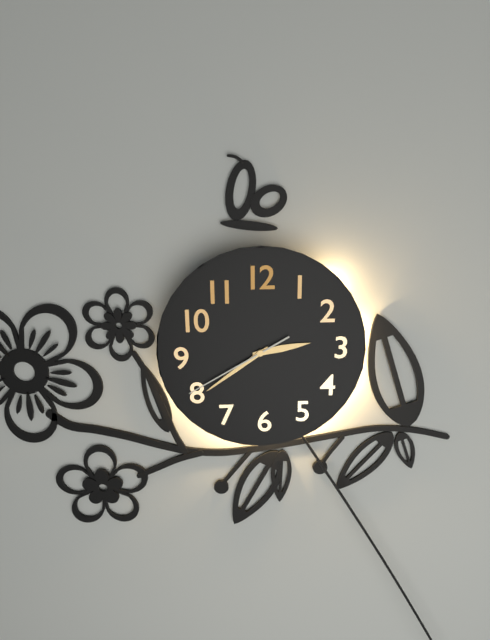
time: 2:39:40
